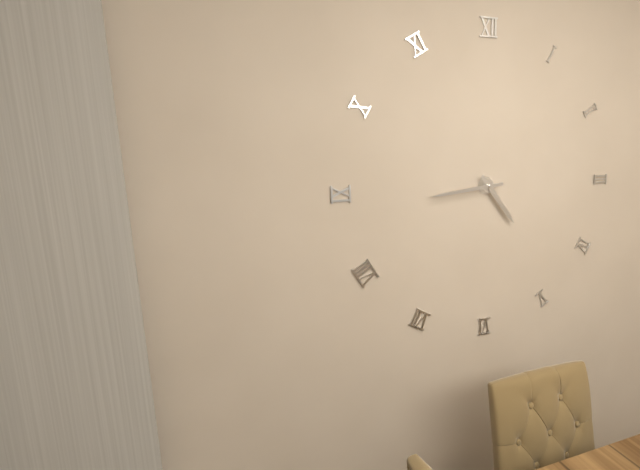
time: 4:44
